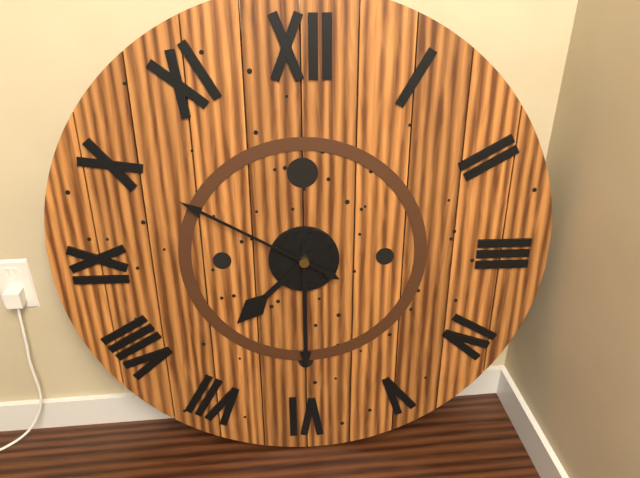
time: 7:30:50
